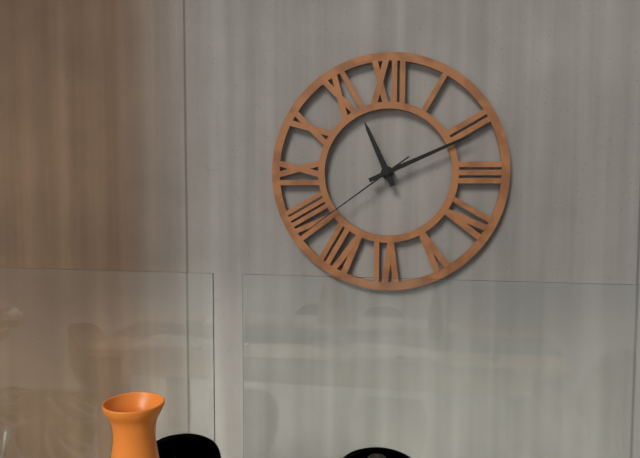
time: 11:11:39
